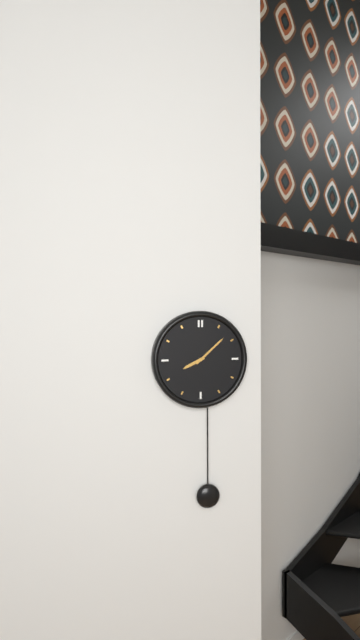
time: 8:08
